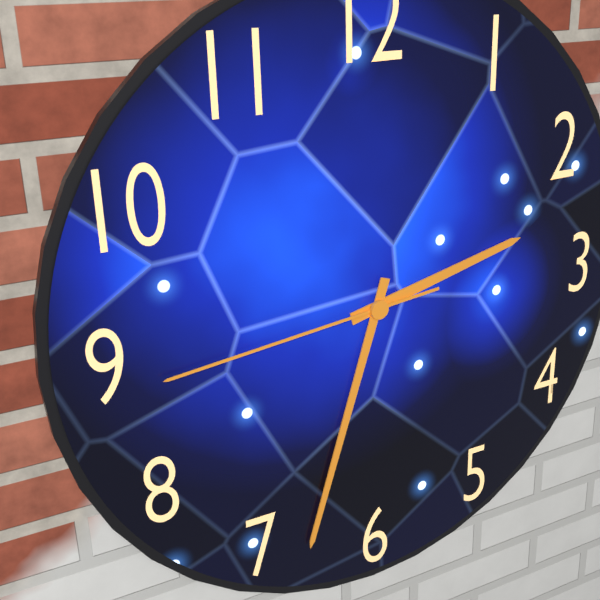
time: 2:33:44
